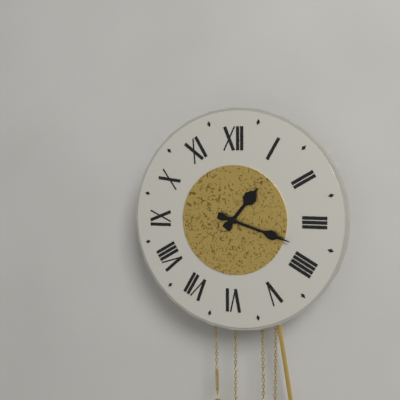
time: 1:18
